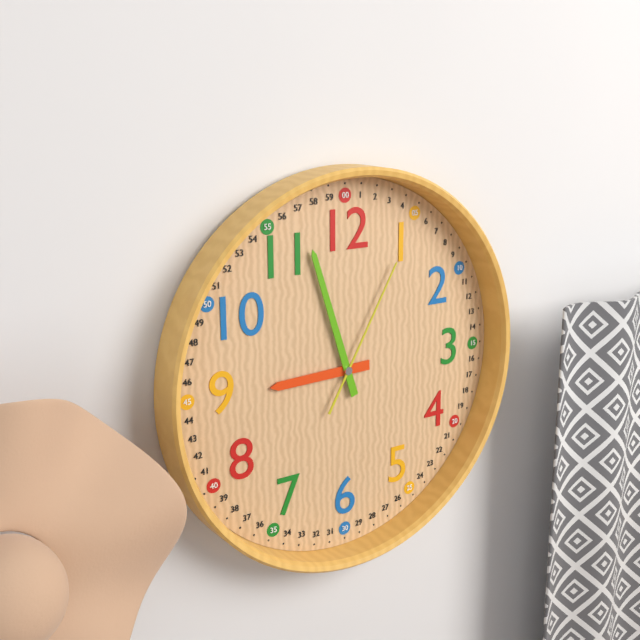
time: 8:57:05
